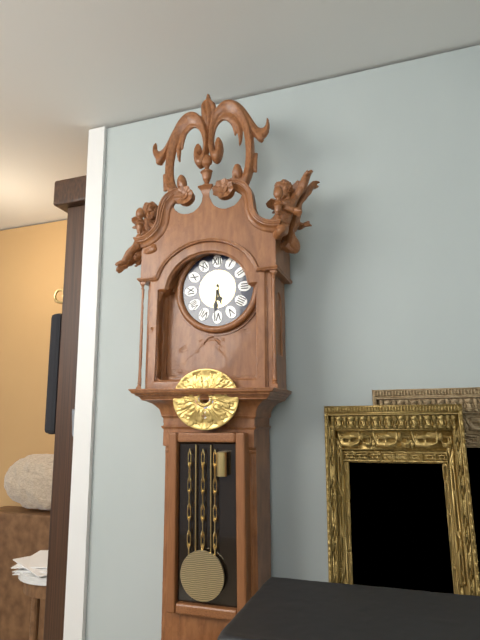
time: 5:31
